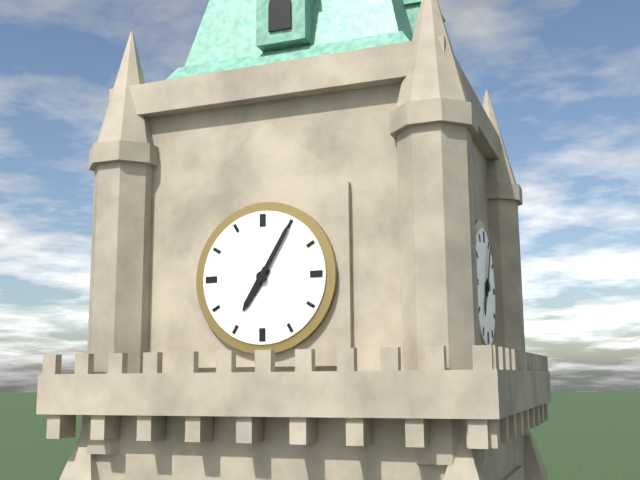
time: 7:05
